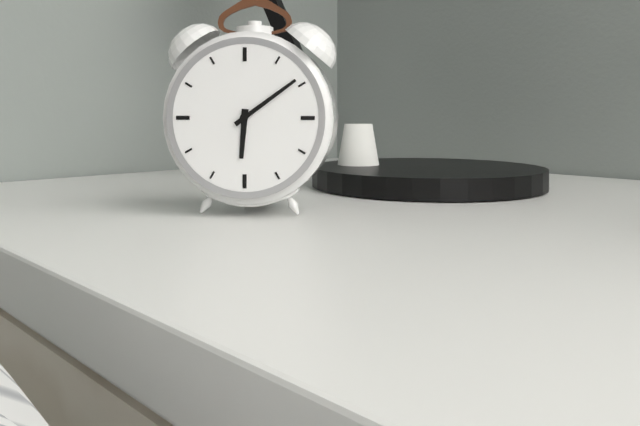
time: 6:09
